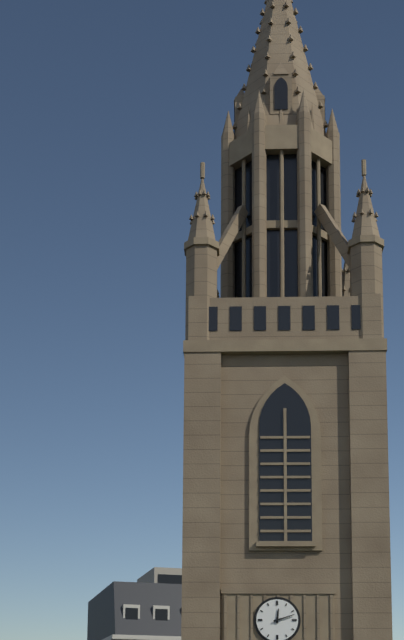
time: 12:12
